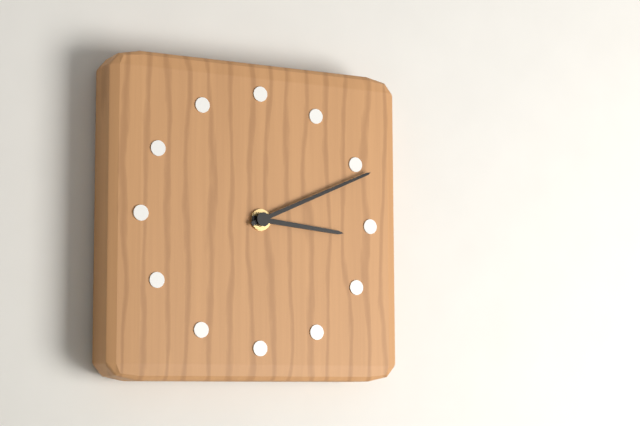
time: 3:11
